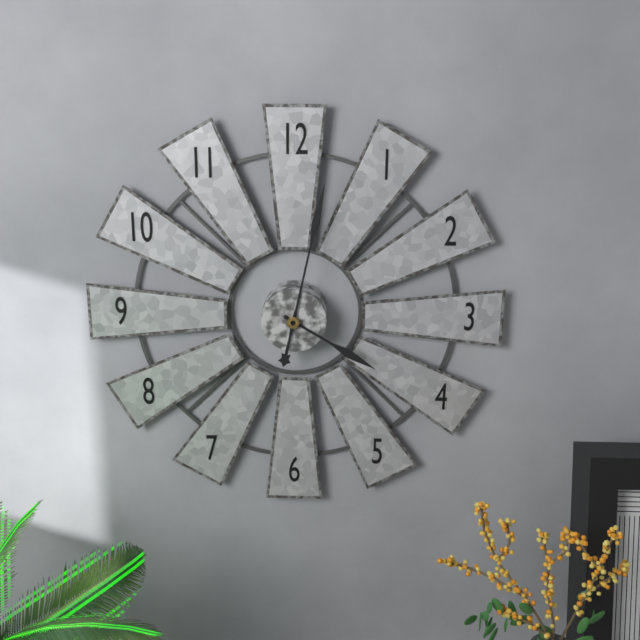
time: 4:02
